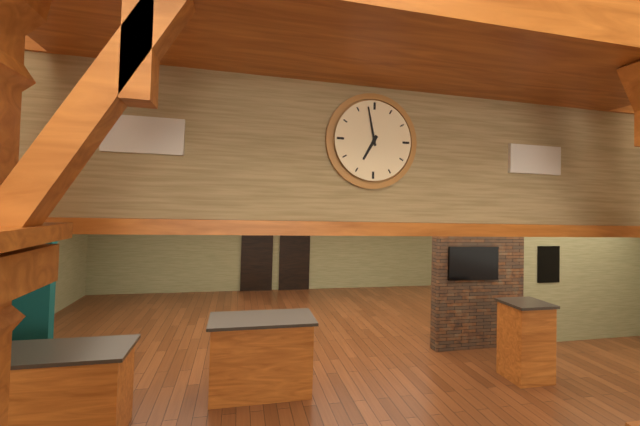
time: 6:58
